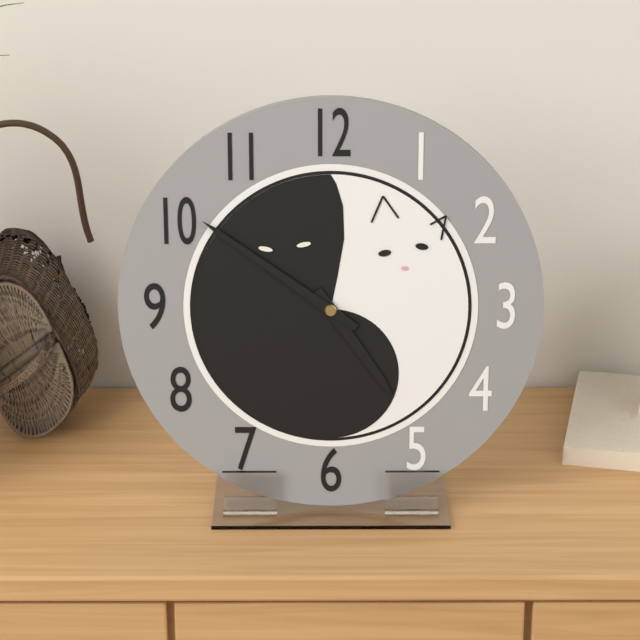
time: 4:51
